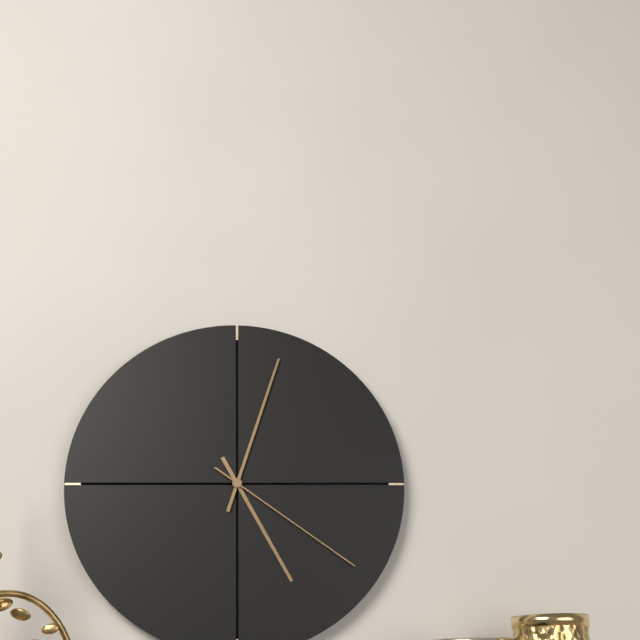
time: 5:03:21
